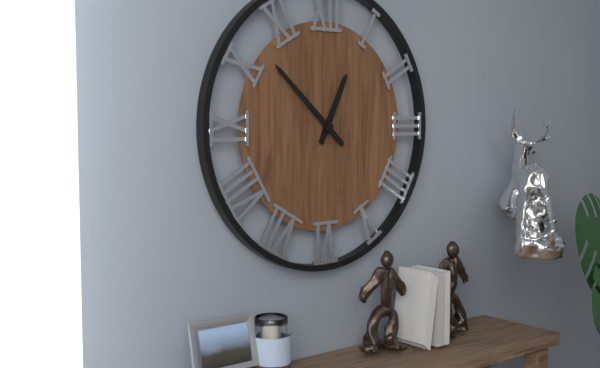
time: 12:52
